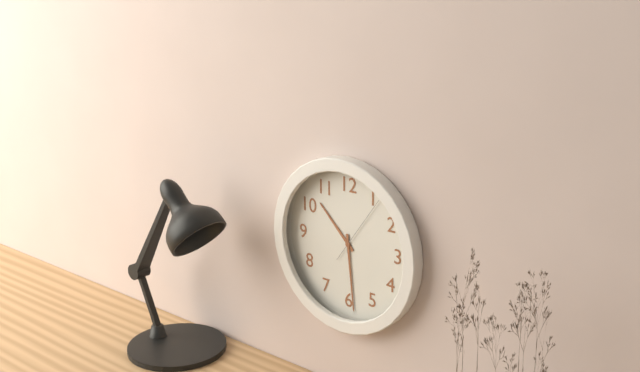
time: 10:29:06
